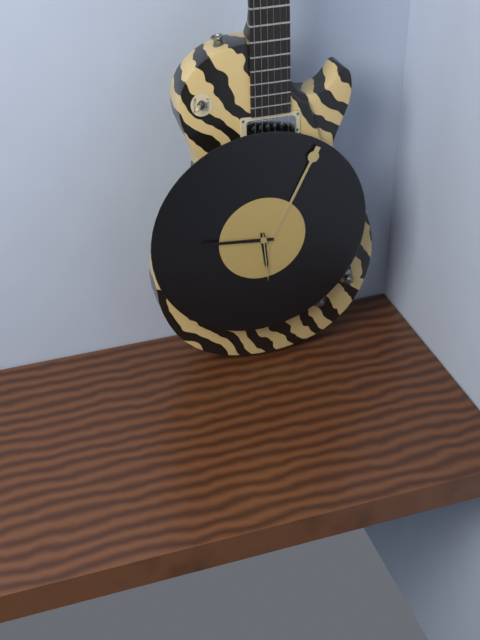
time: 5:46:29
